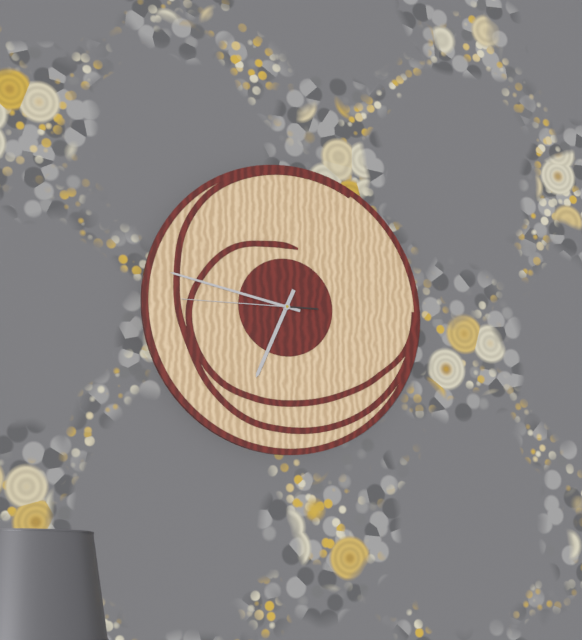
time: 6:47:45
